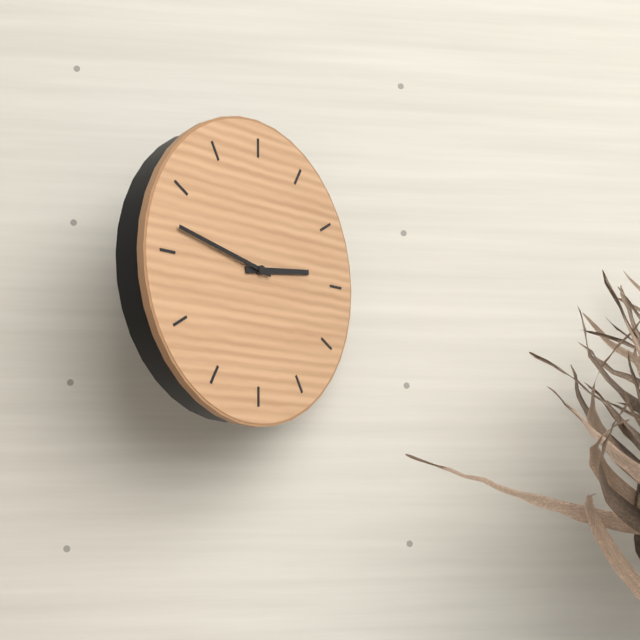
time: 2:47
